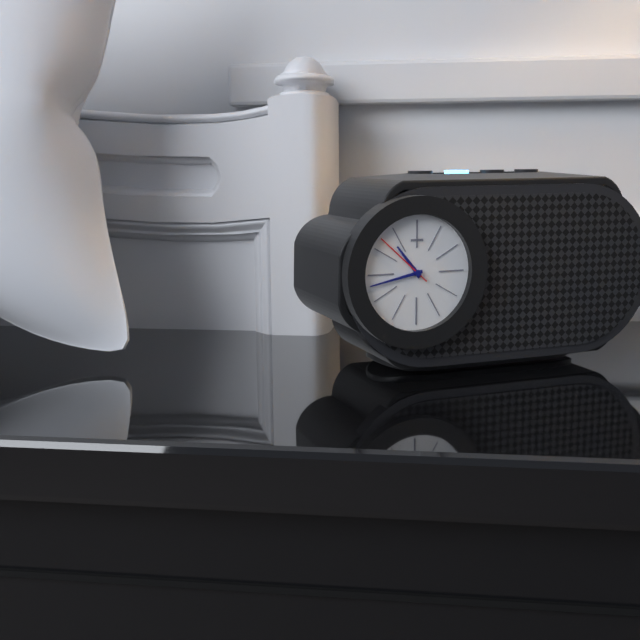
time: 10:43
